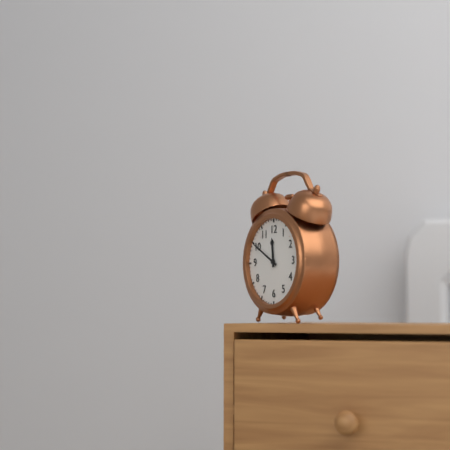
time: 11:50
